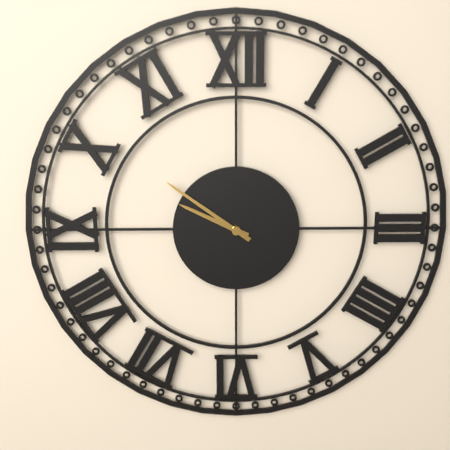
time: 9:51
